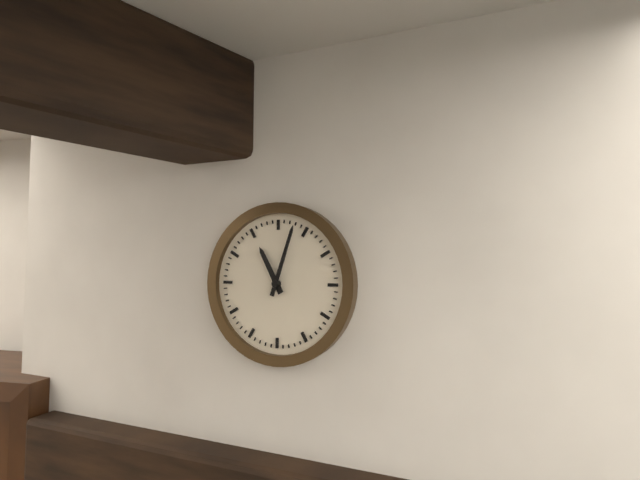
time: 11:03
